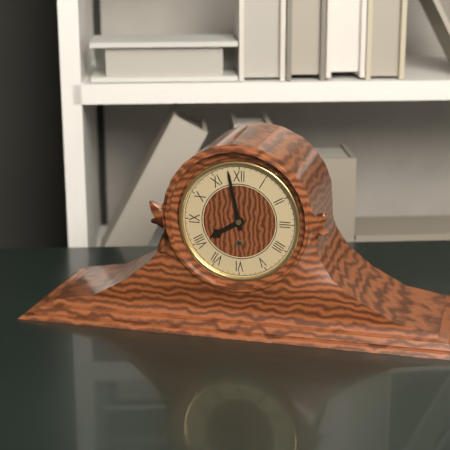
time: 7:58
